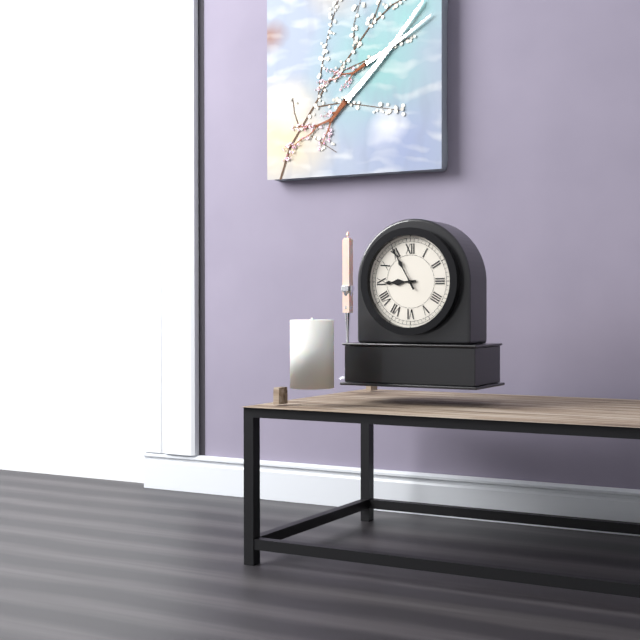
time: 8:55
